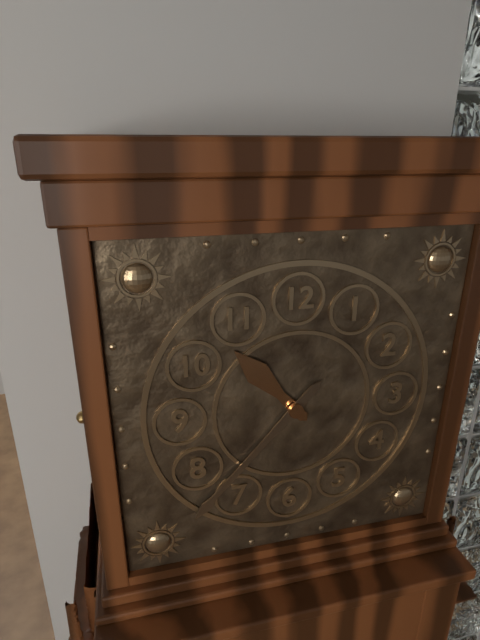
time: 10:37
